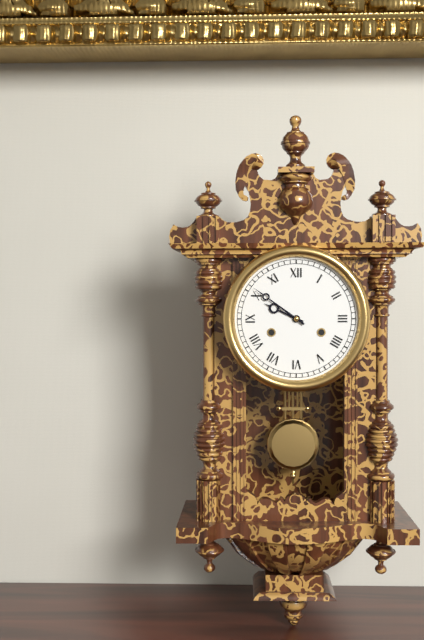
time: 9:51
